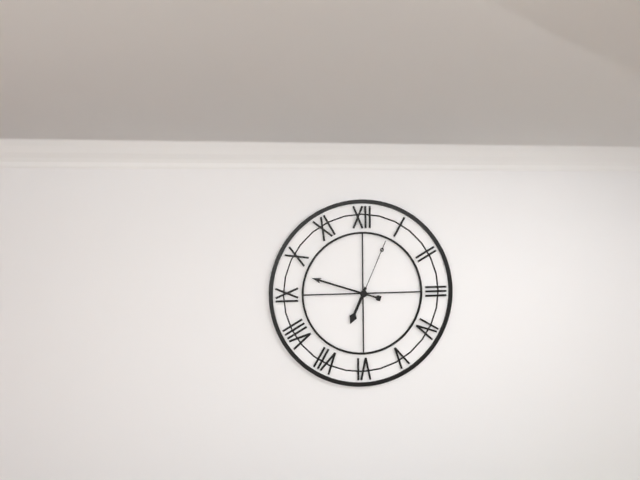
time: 6:48:04
